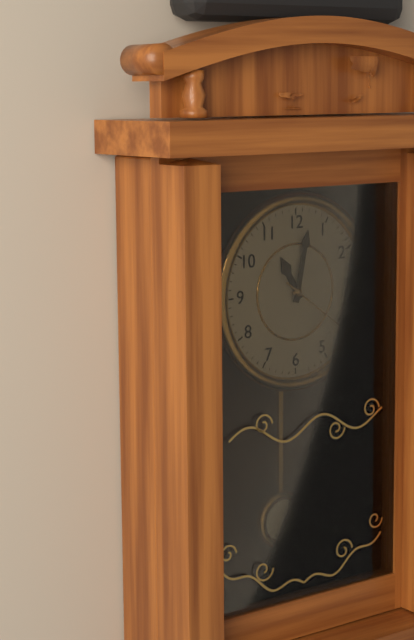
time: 11:02:21
